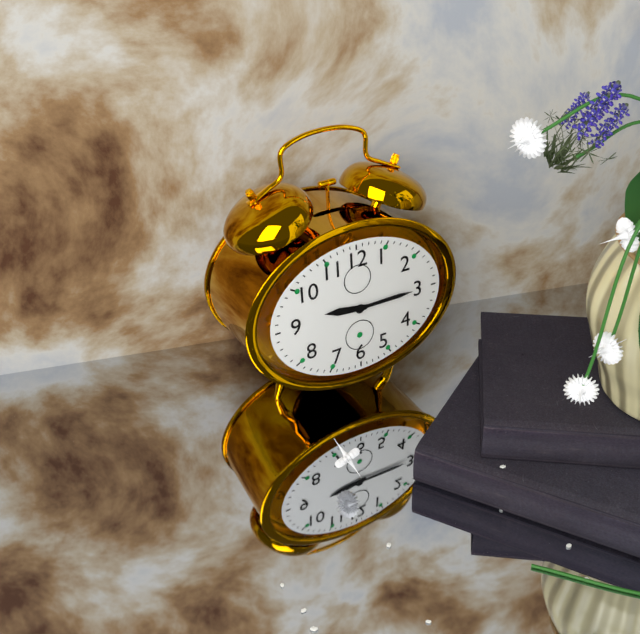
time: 9:15
